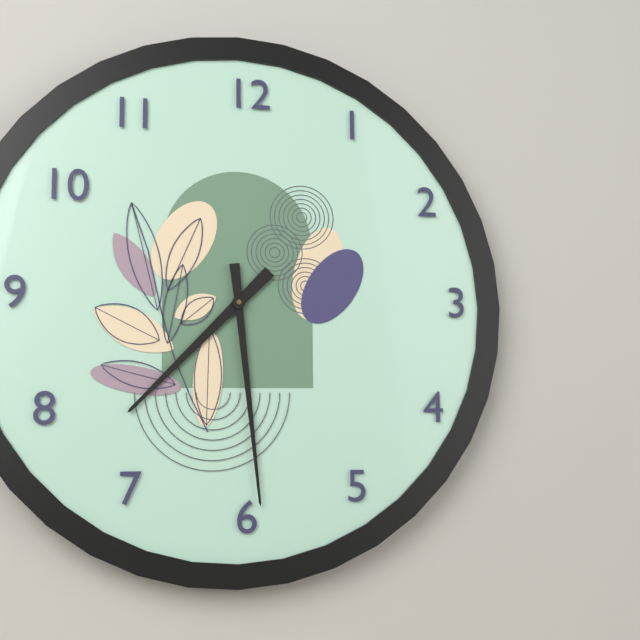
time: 7:29
